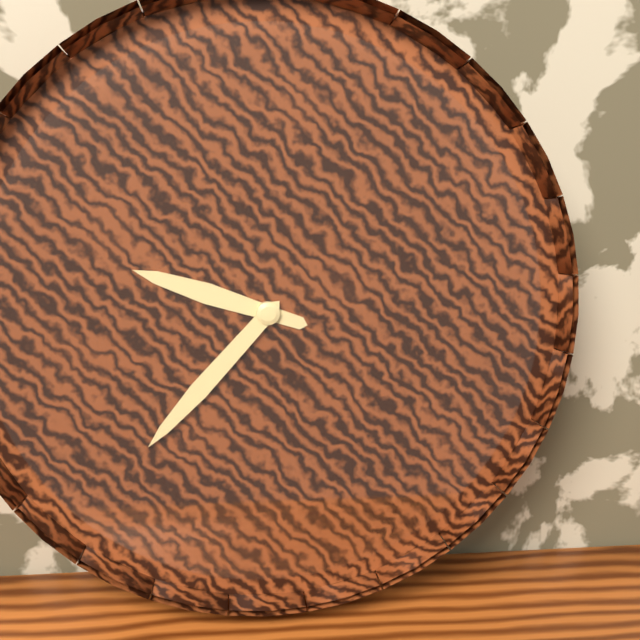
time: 9:37
